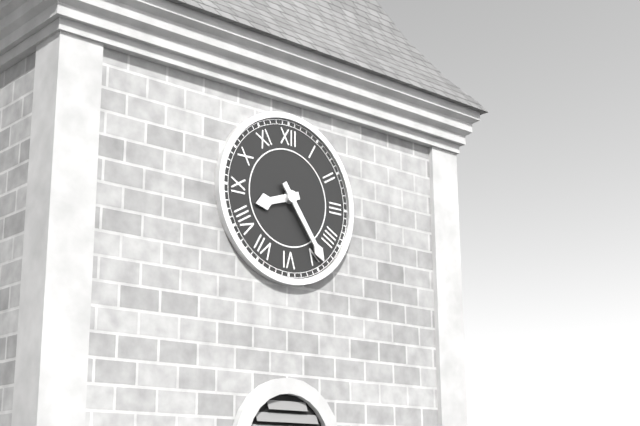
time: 8:24
